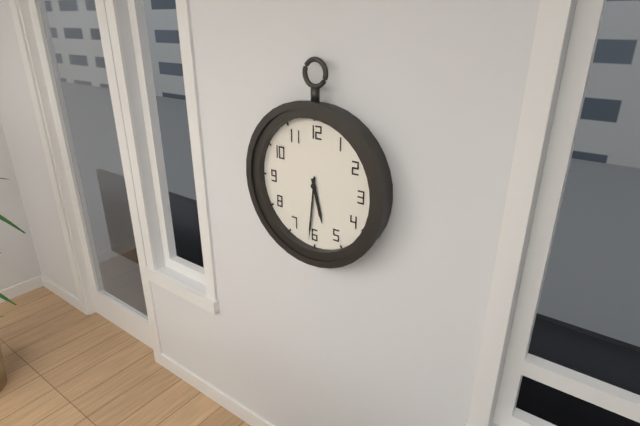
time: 5:31
